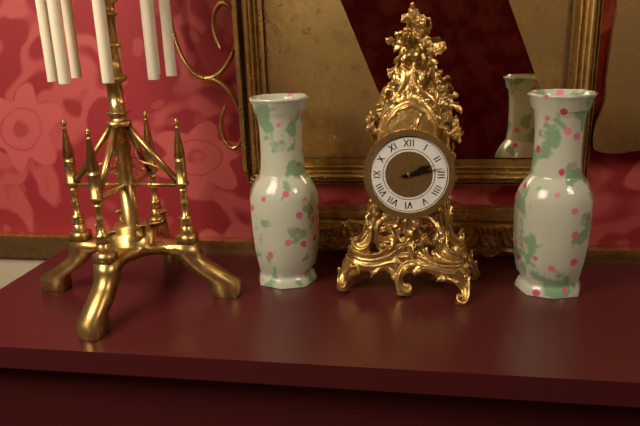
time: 2:13
